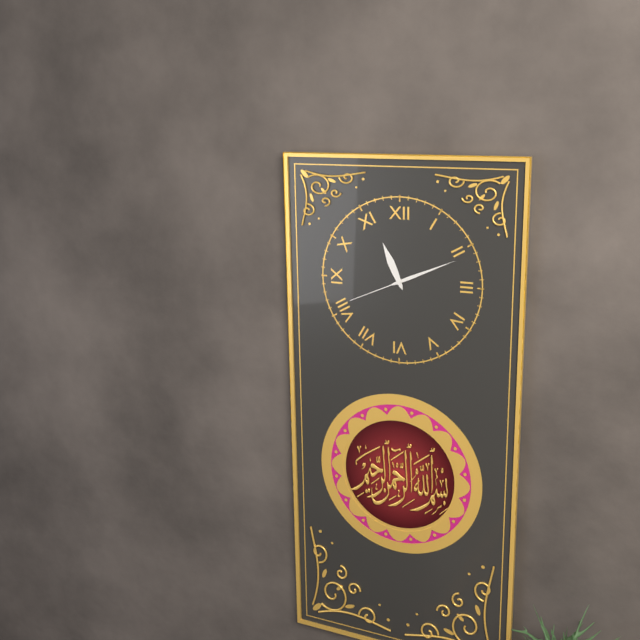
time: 11:11:41
